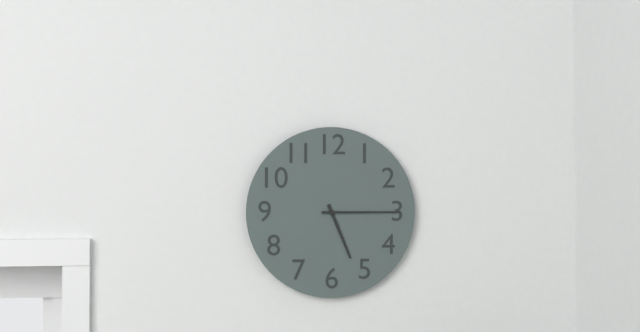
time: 5:15
